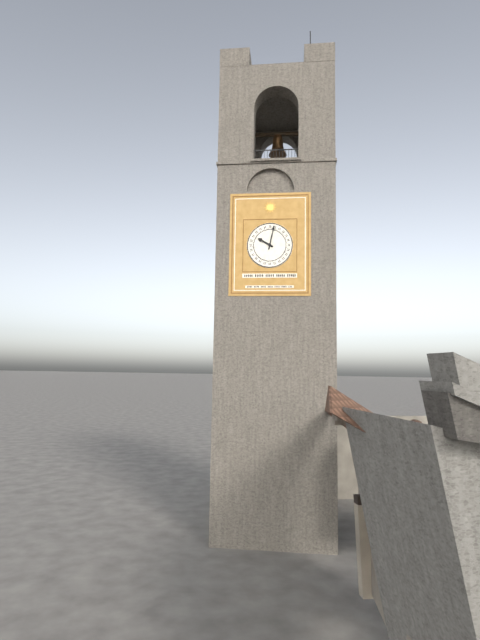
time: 10:02
